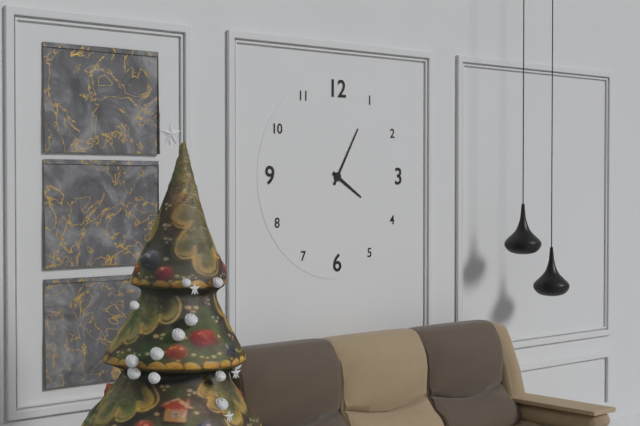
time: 4:05
